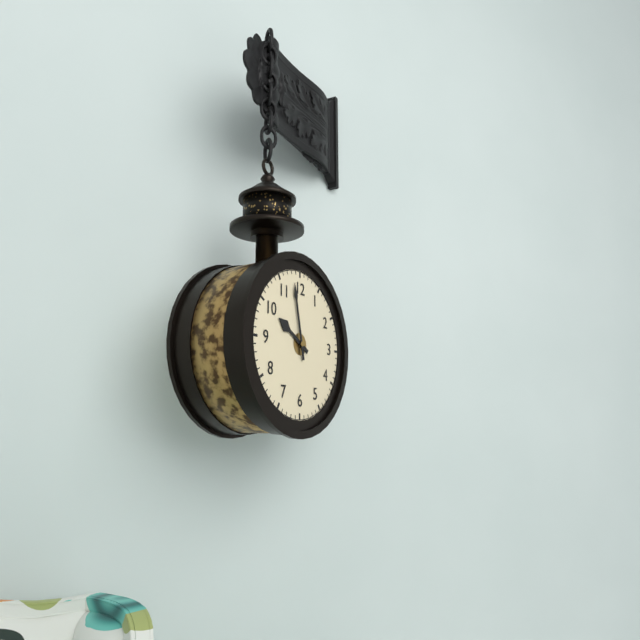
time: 9:58
